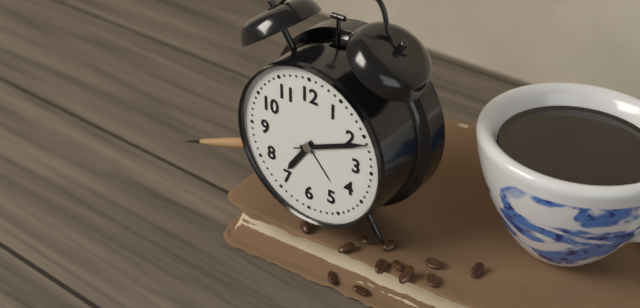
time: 7:11:11
